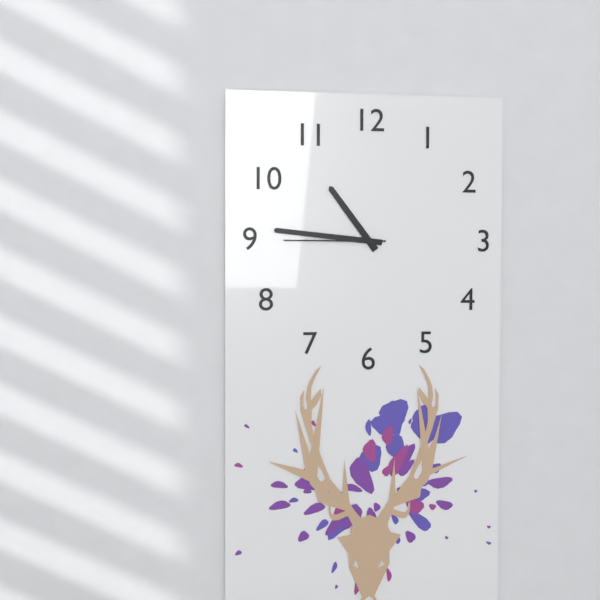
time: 10:46:45
